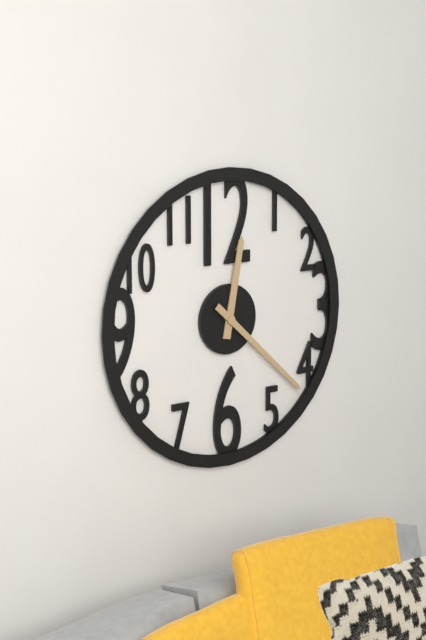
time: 12:22
